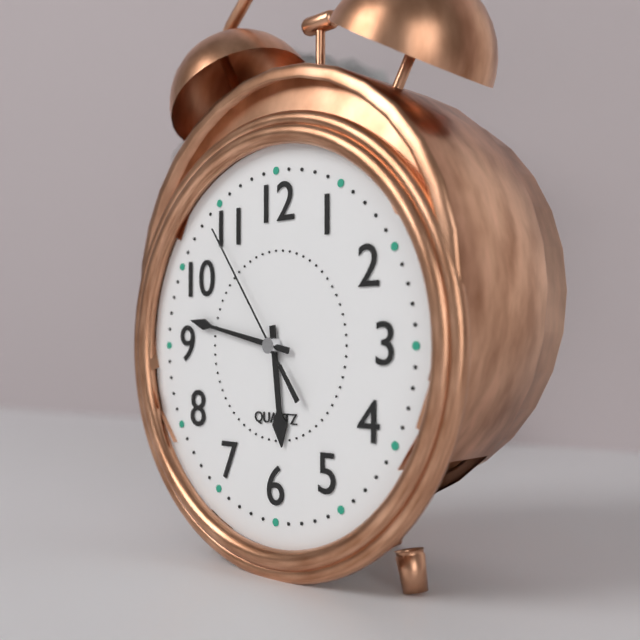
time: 5:47:54
